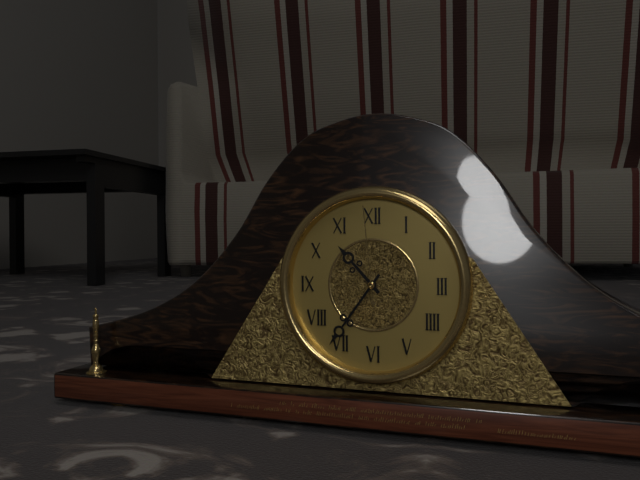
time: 10:36:59
